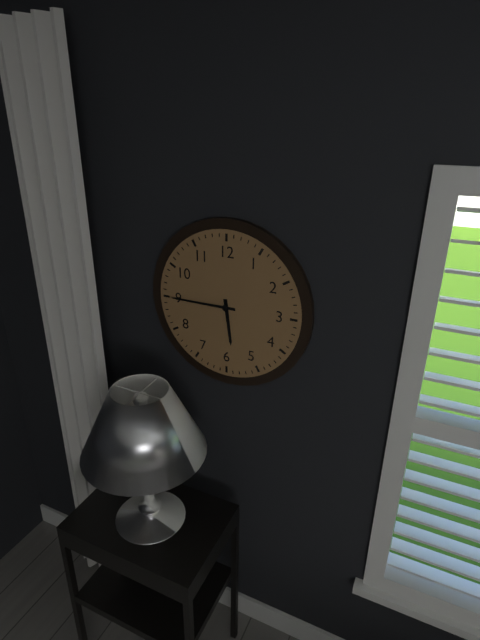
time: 5:45
